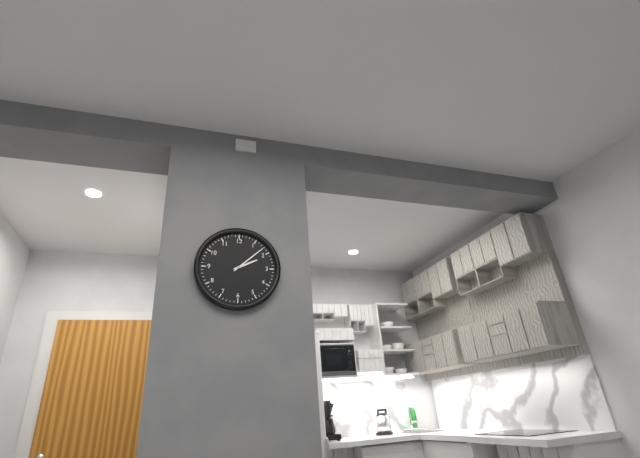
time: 2:08
